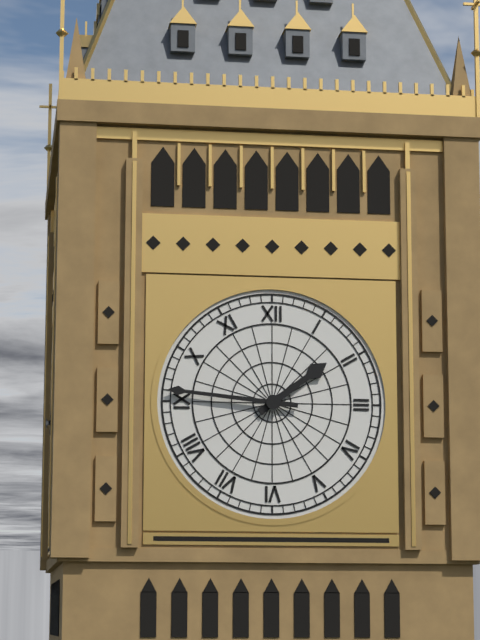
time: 1:46
